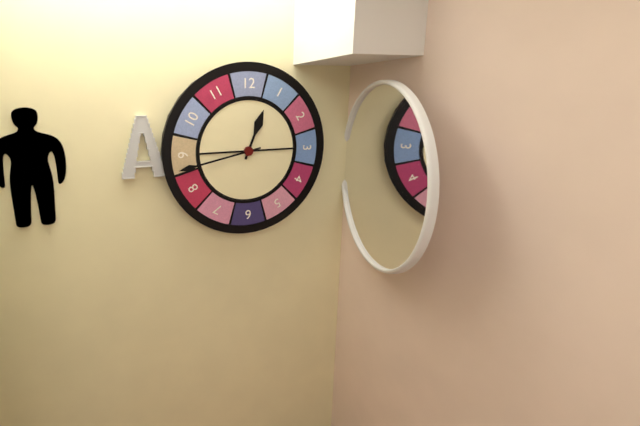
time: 12:43
